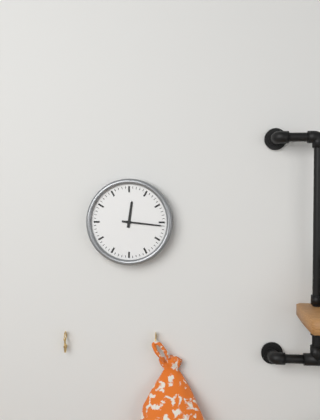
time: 12:16
